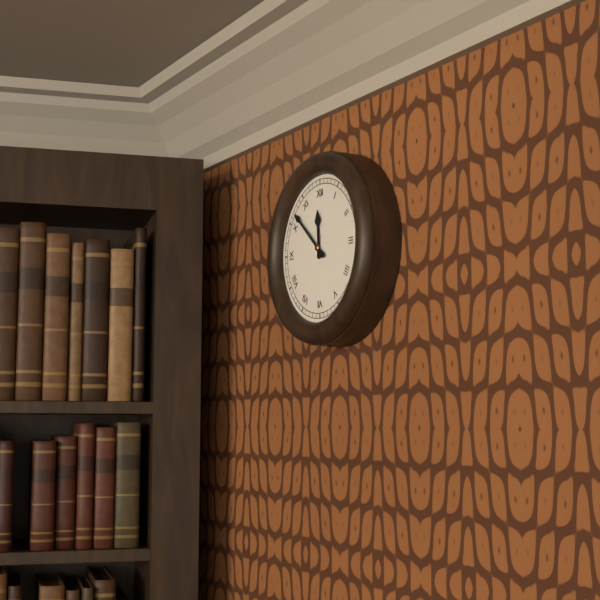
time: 11:52
